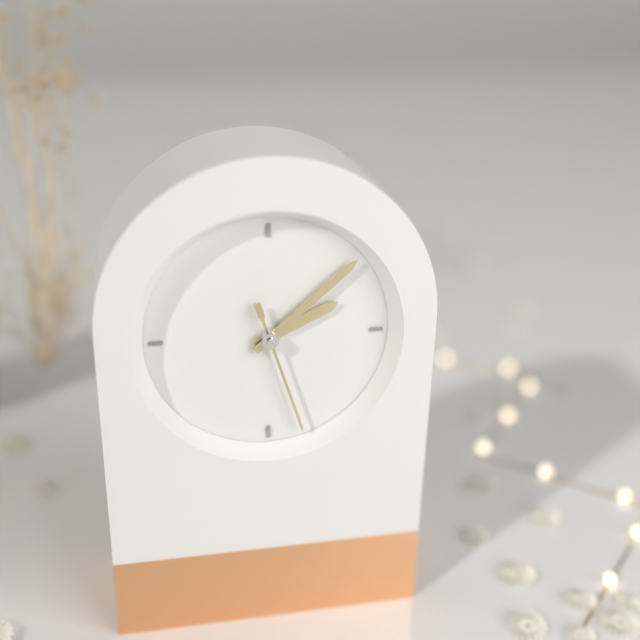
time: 2:08:27
